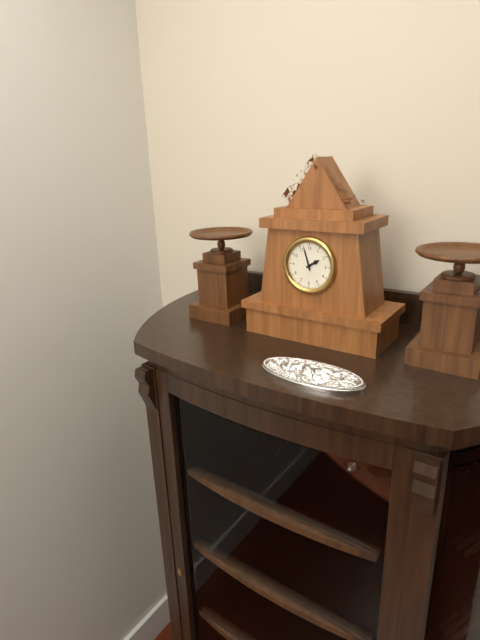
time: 1:57
